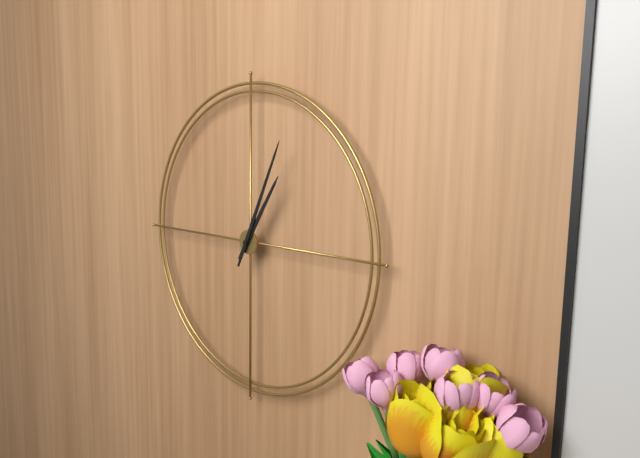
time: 1:04
